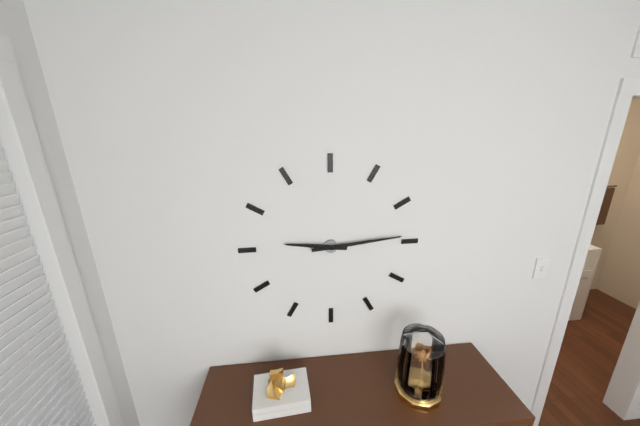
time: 9:14
